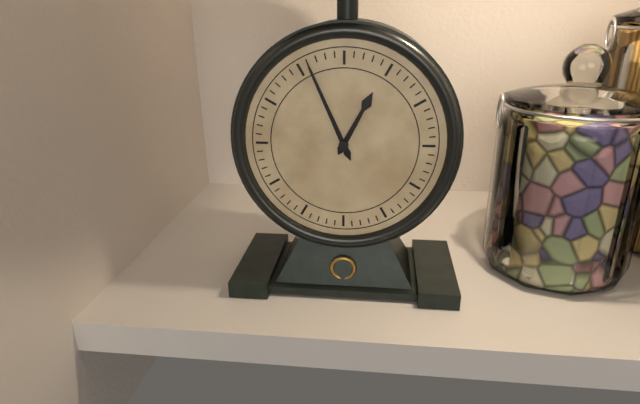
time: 12:56
